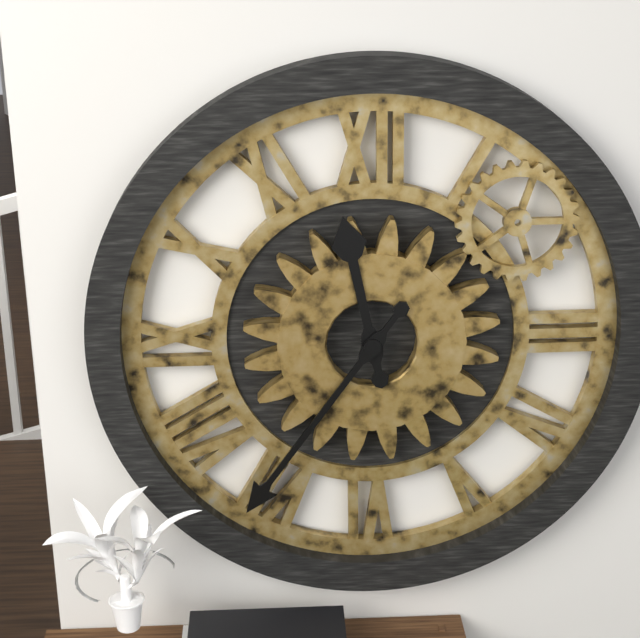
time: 11:36
